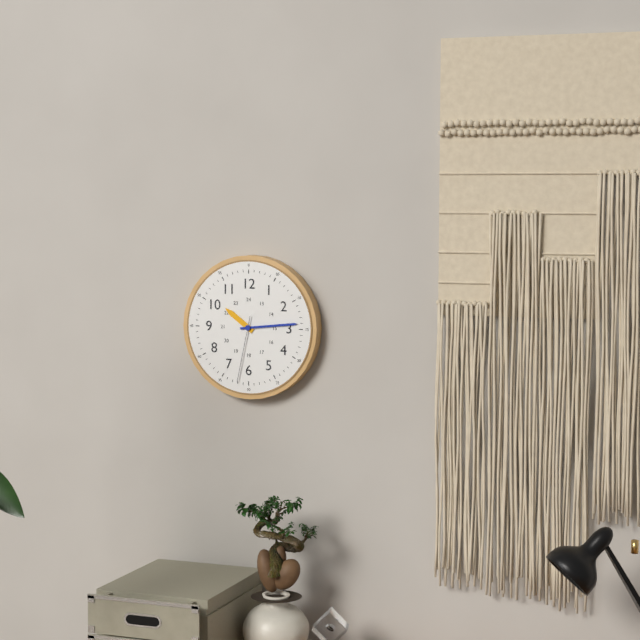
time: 10:14:32
